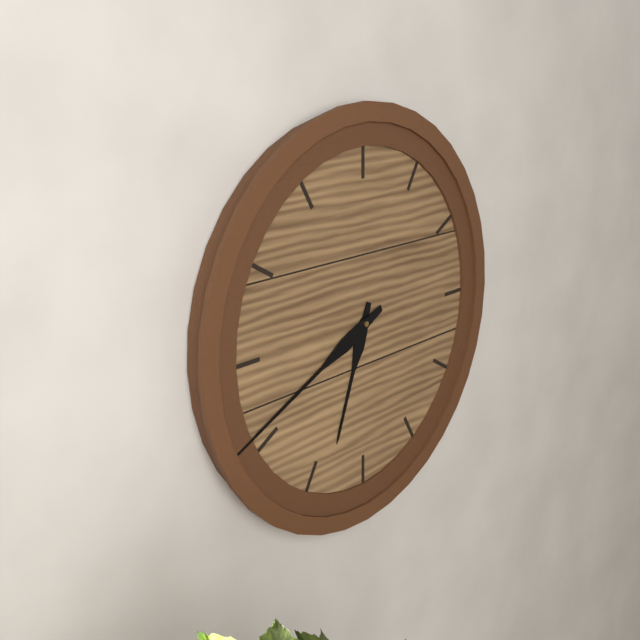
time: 6:41
